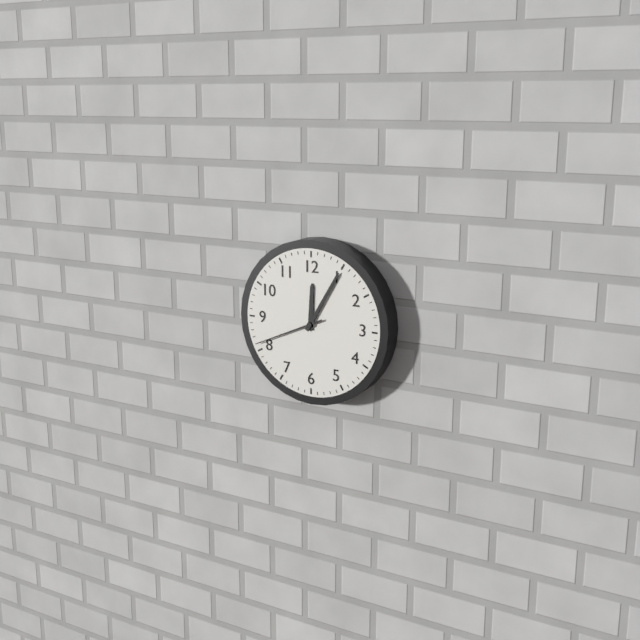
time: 12:05:41
